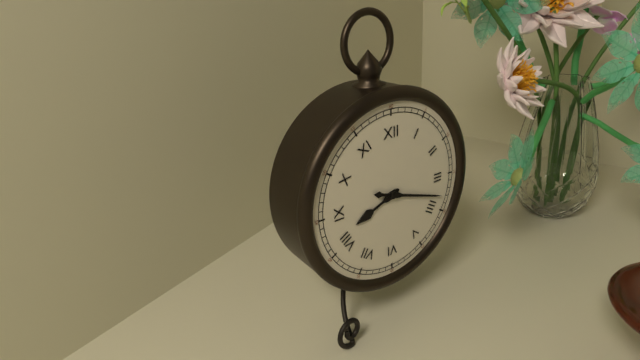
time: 8:18
